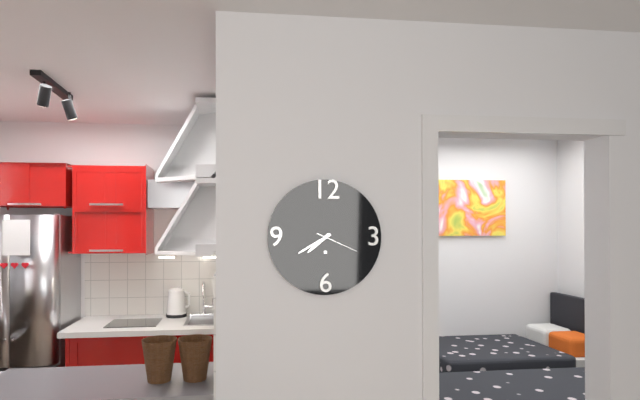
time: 7:40
